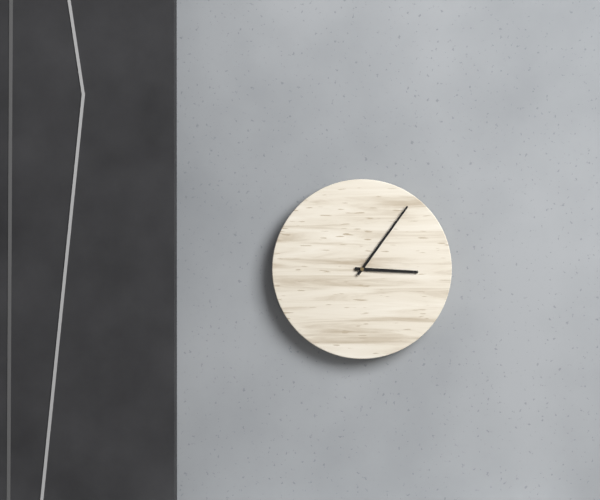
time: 3:06
